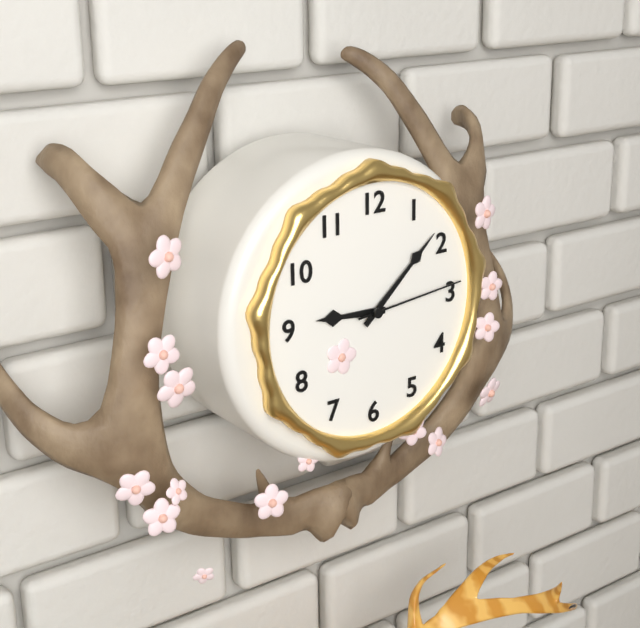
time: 9:08:14
